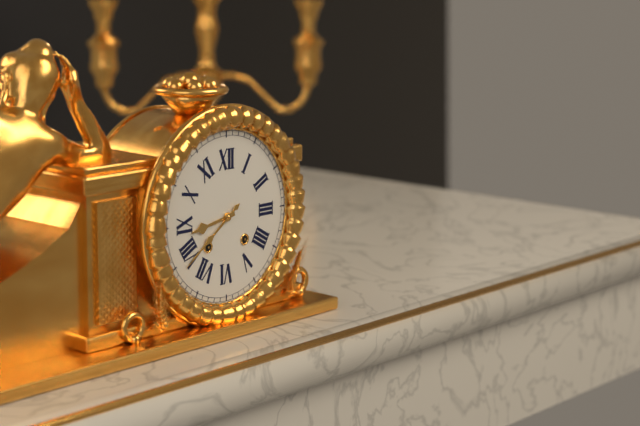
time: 8:39
